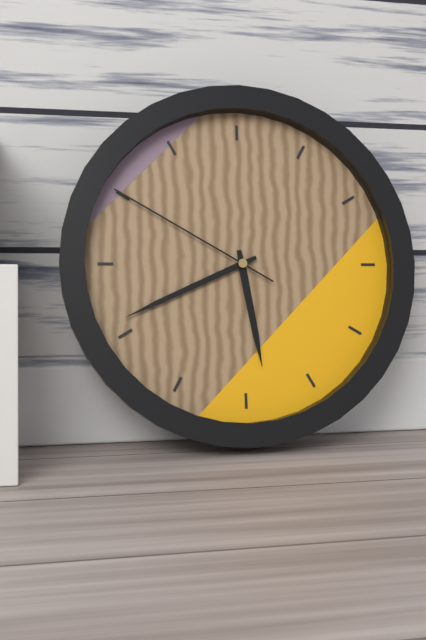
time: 5:41:50
